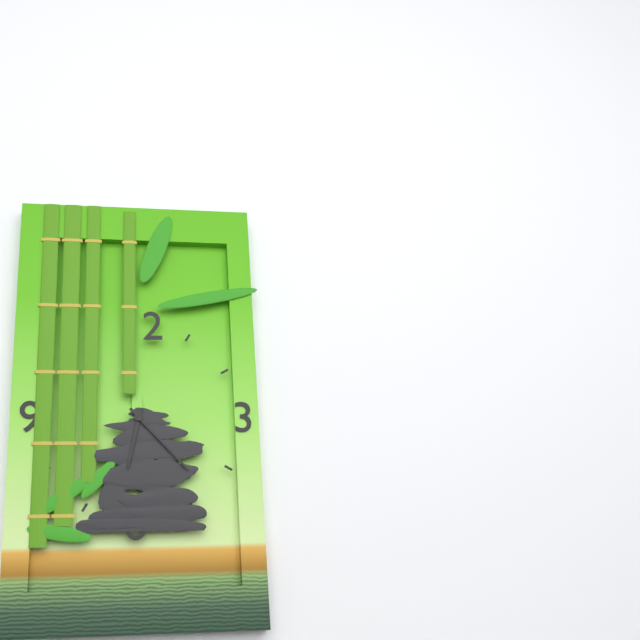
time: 6:23
